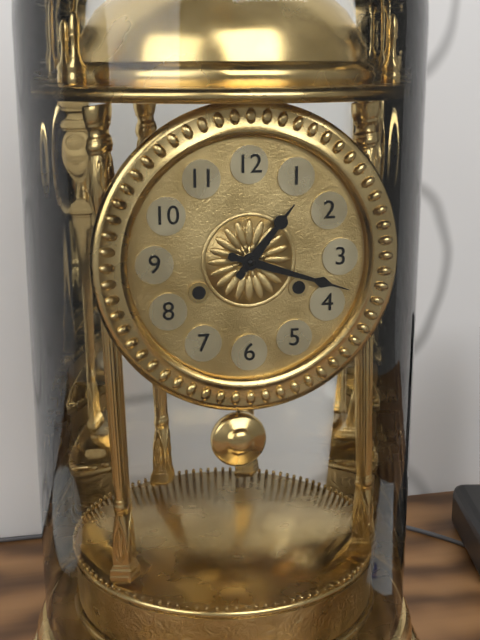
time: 1:18
